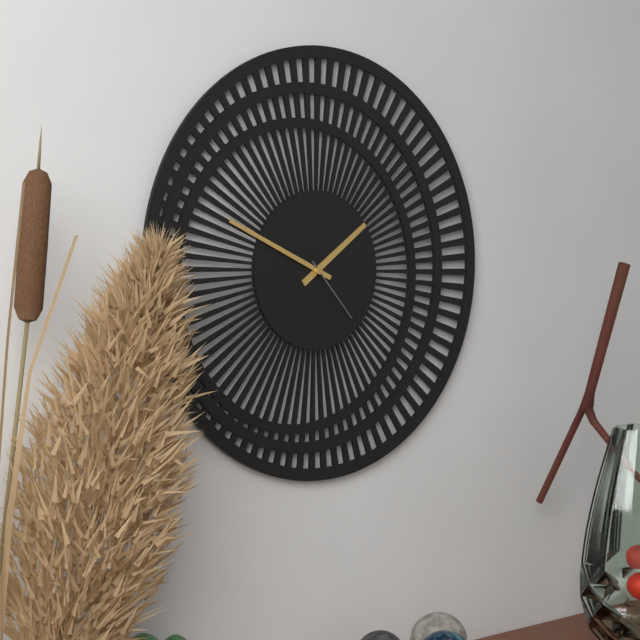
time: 1:49:23
